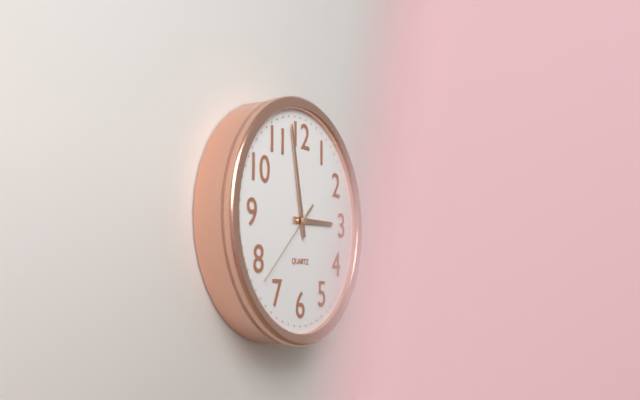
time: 2:58:38
